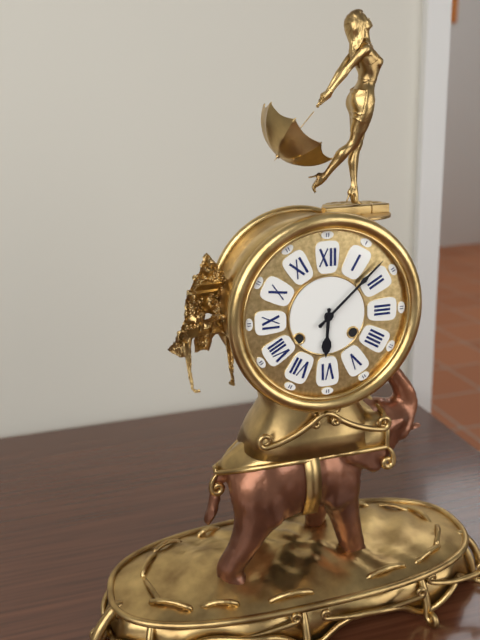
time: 6:08
